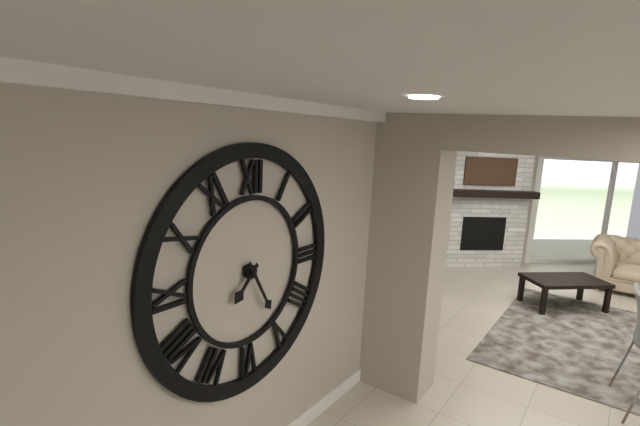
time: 7:25
